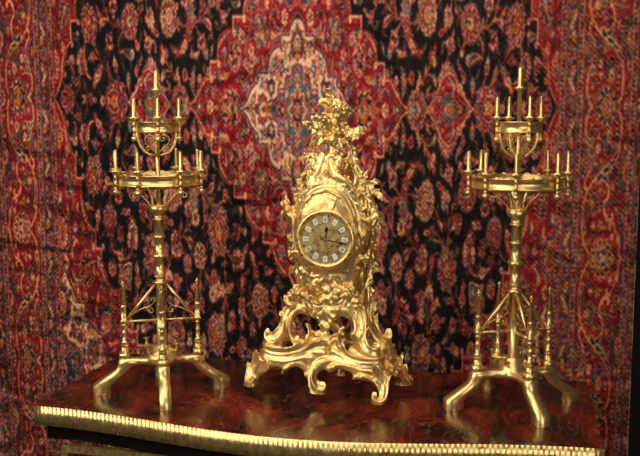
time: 12:17
